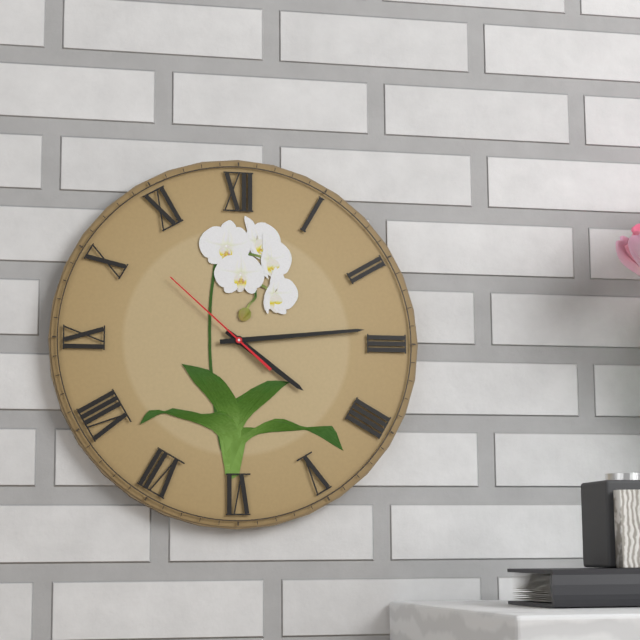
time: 4:14:52
